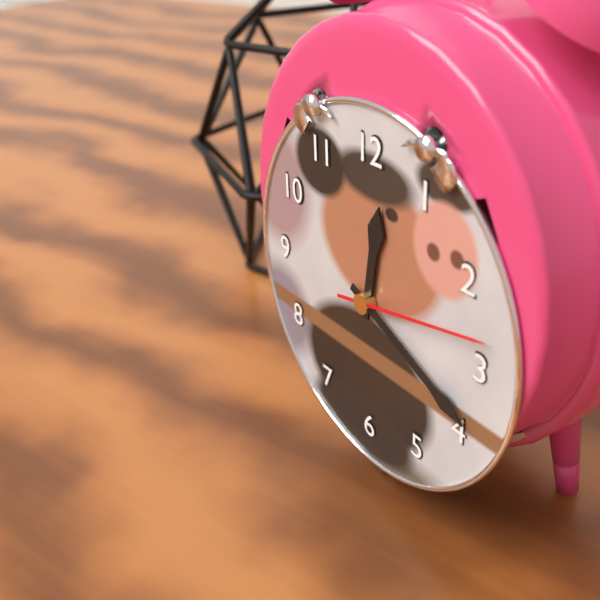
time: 12:19:13
